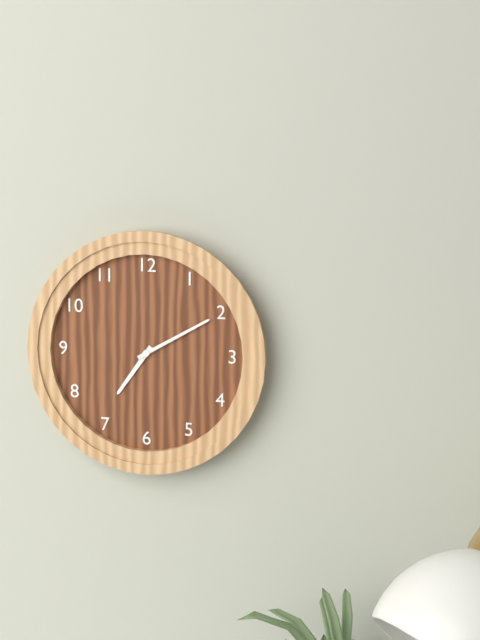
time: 7:10
